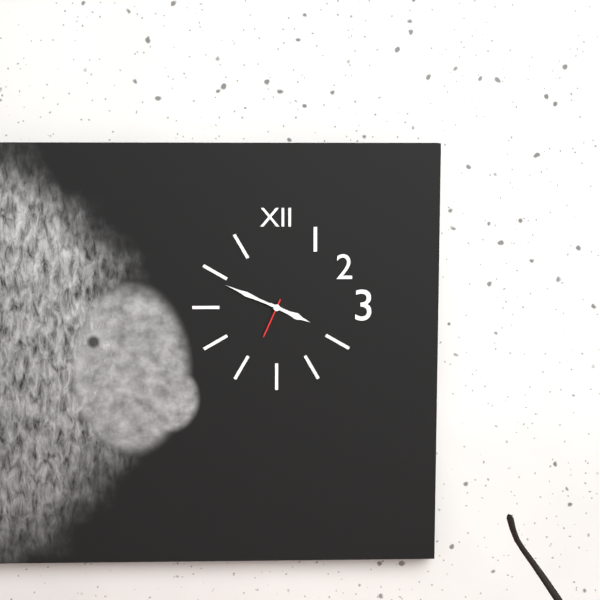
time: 3:49
